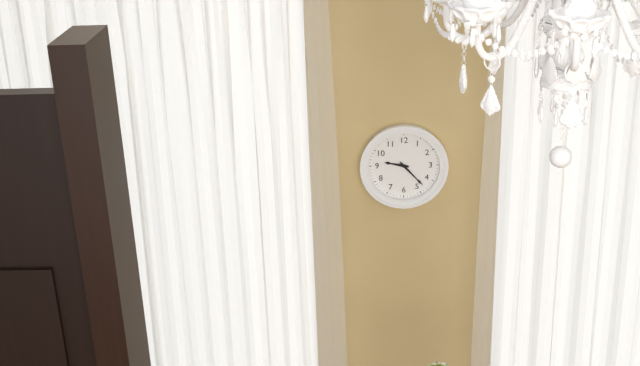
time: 9:23
